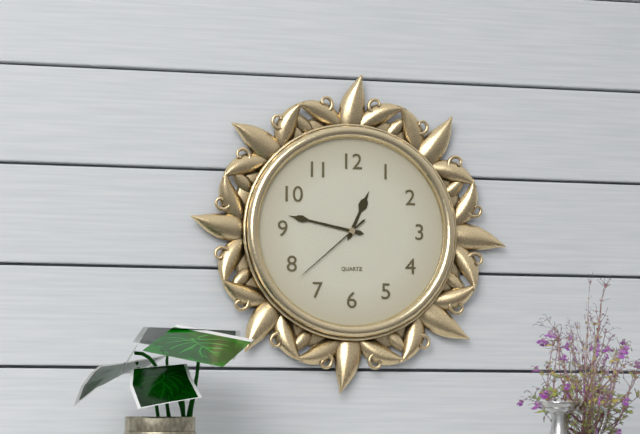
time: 12:47:38
